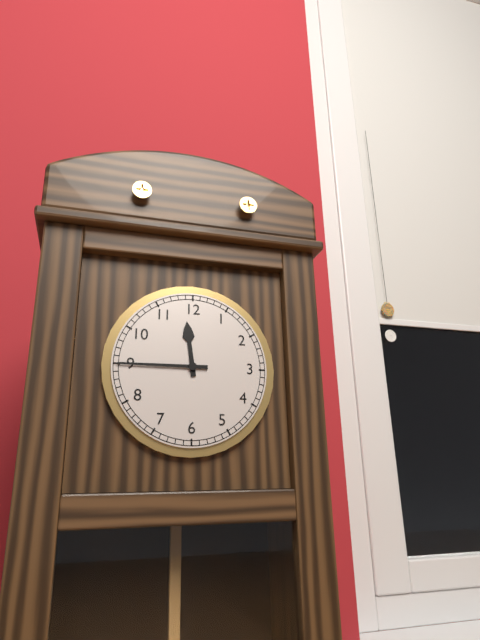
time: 11:45
